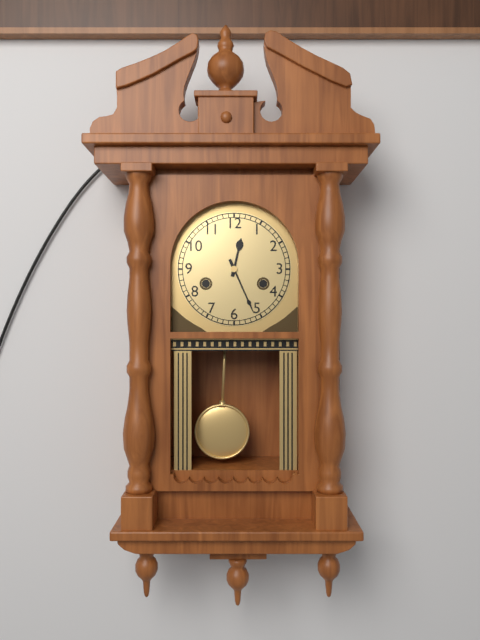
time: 12:26
